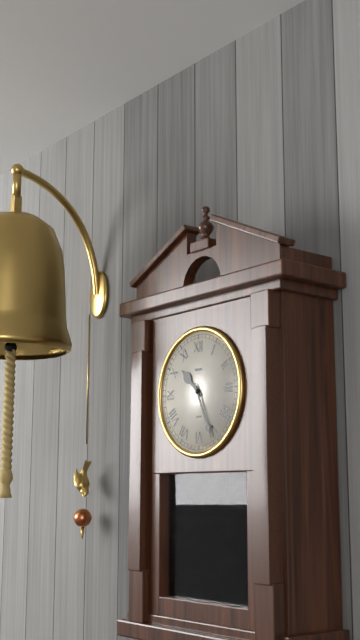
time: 10:26
